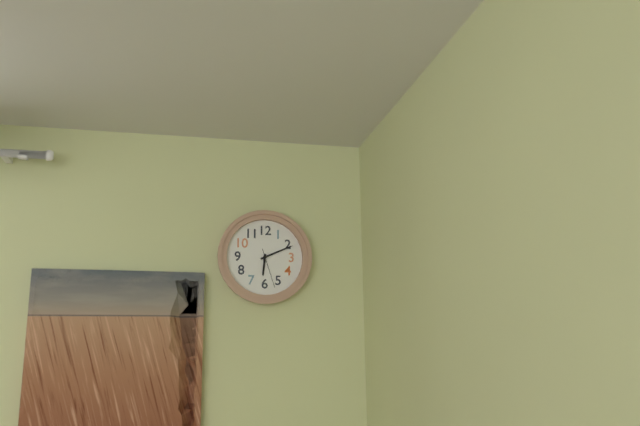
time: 6:11
